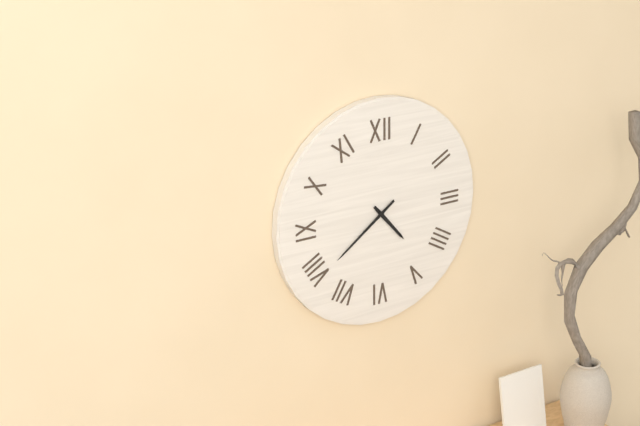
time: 4:39
